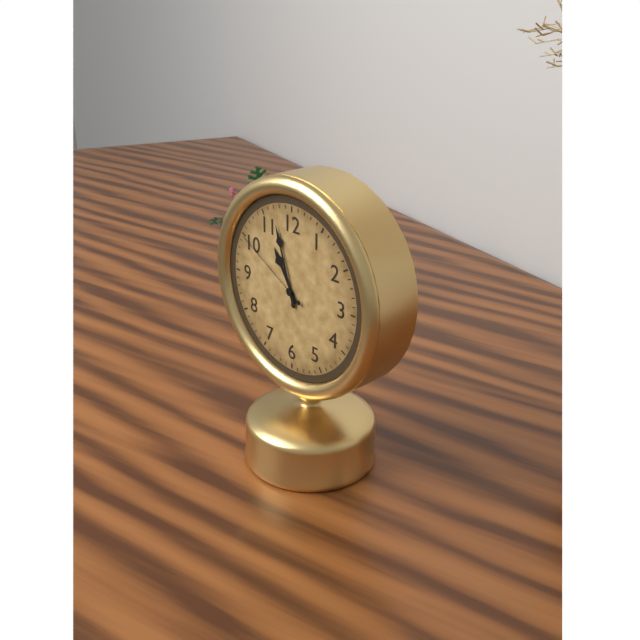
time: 10:57:50
